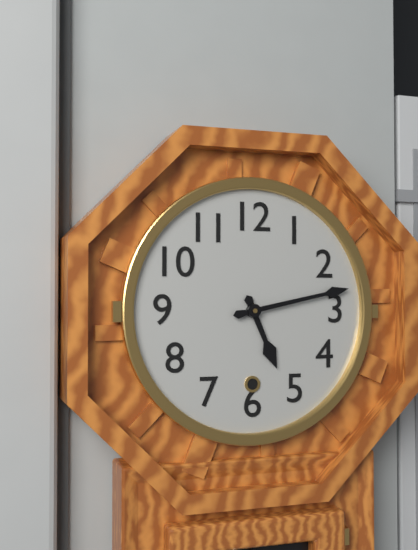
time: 5:13
